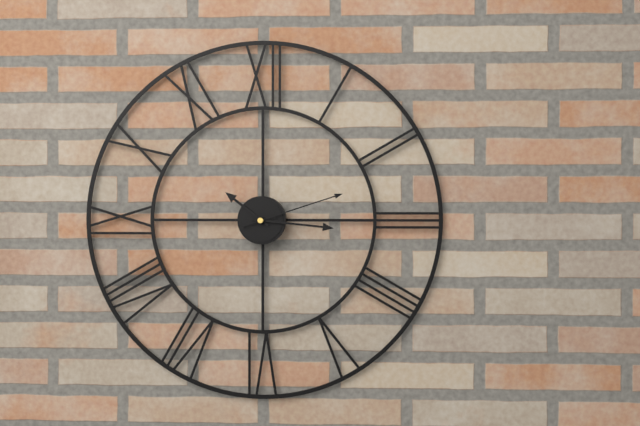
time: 10:16:12
